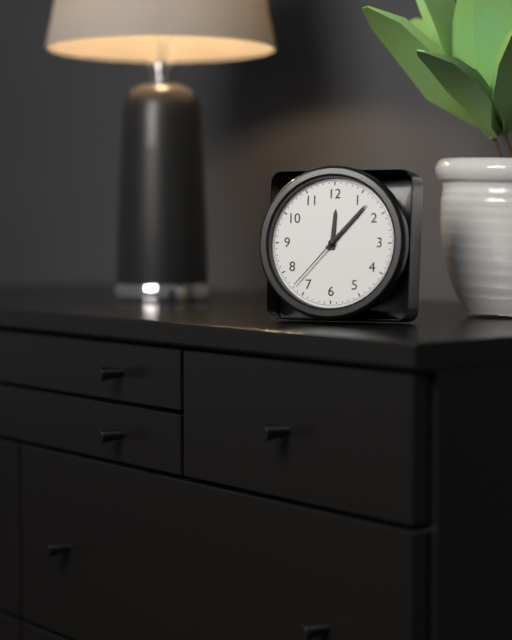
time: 12:07:37
